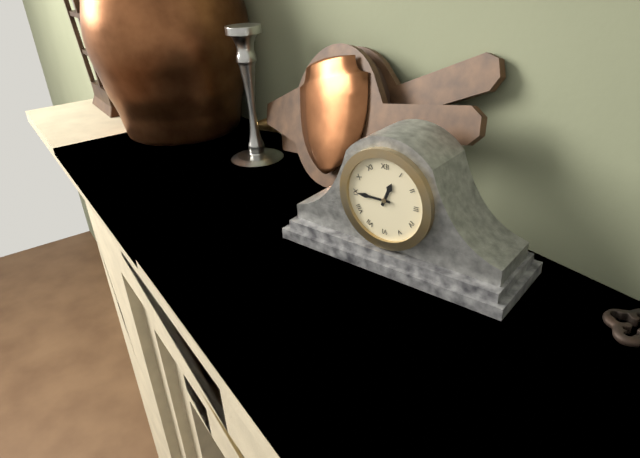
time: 12:45
